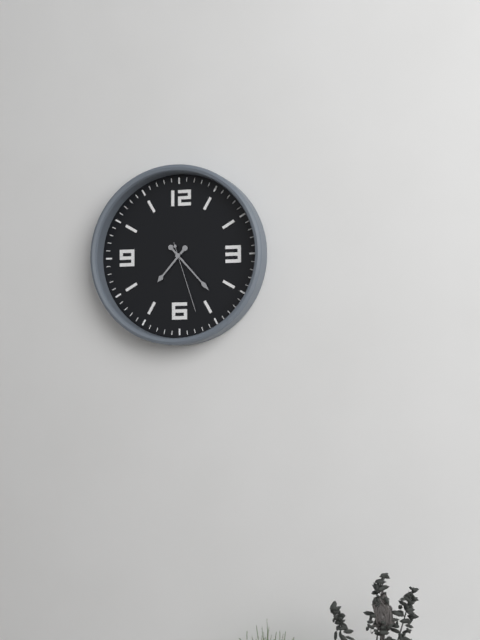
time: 7:23:27
